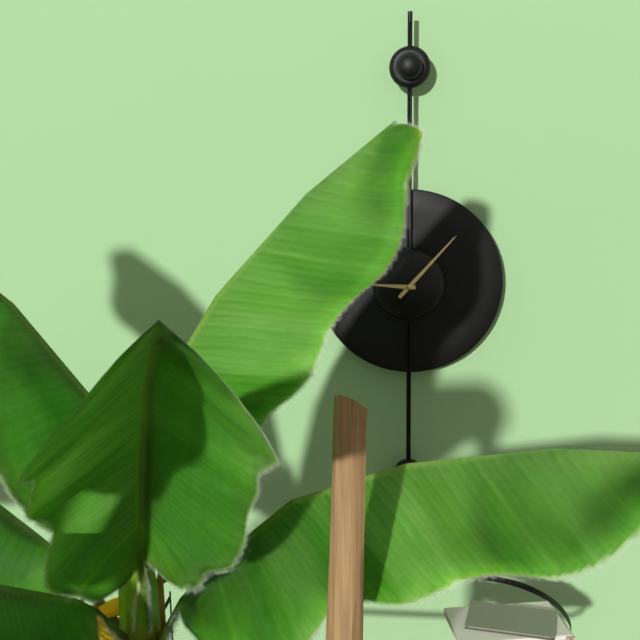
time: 9:07
